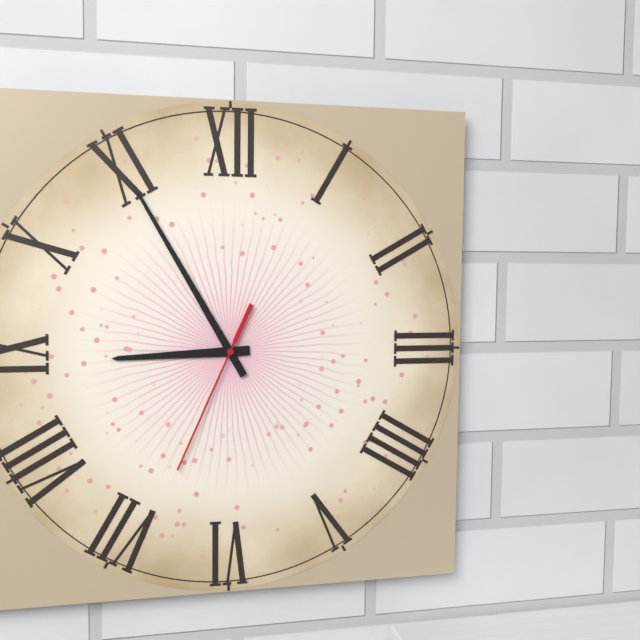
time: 8:55:34
